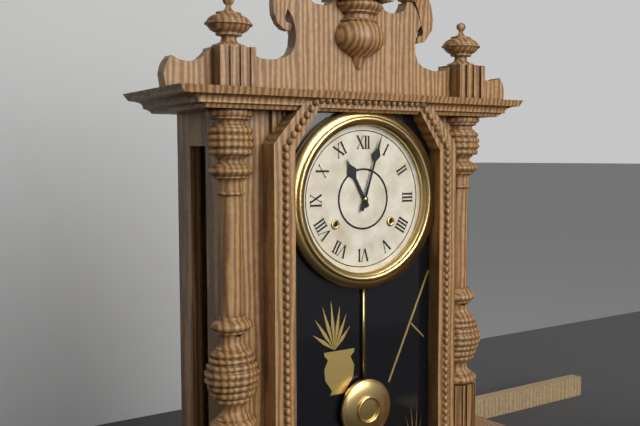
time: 11:03
